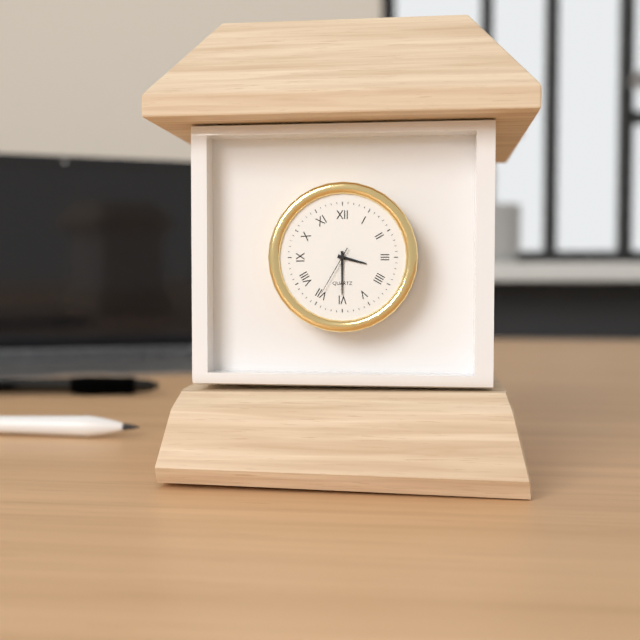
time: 3:30:35
